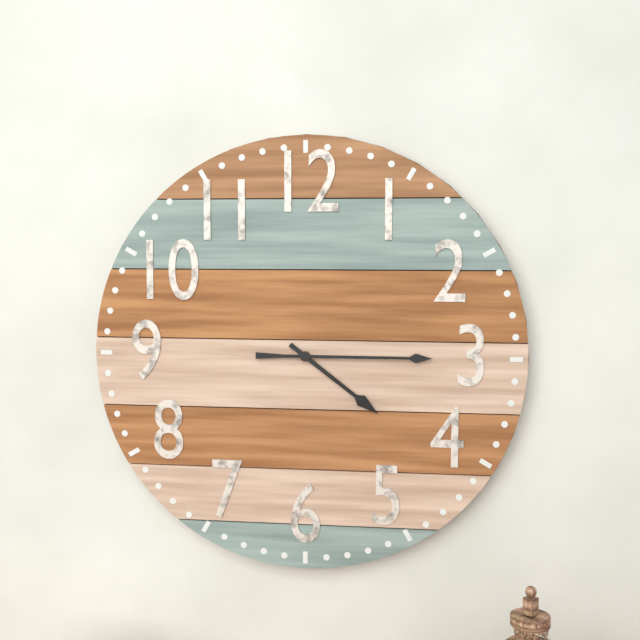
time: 4:15
